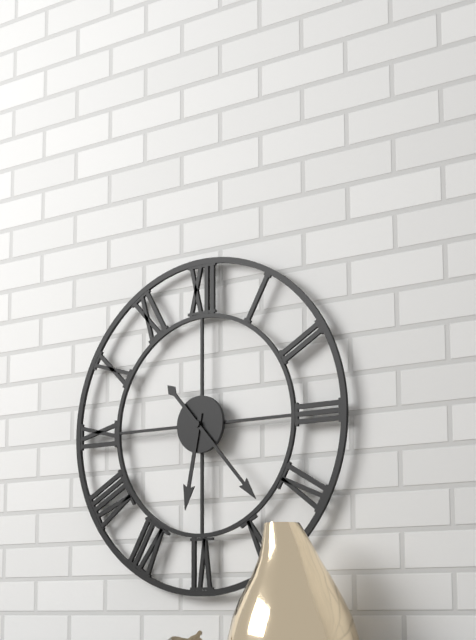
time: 6:23
